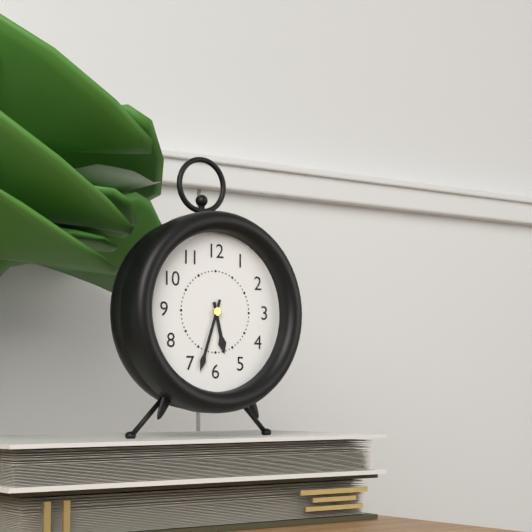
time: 5:33
